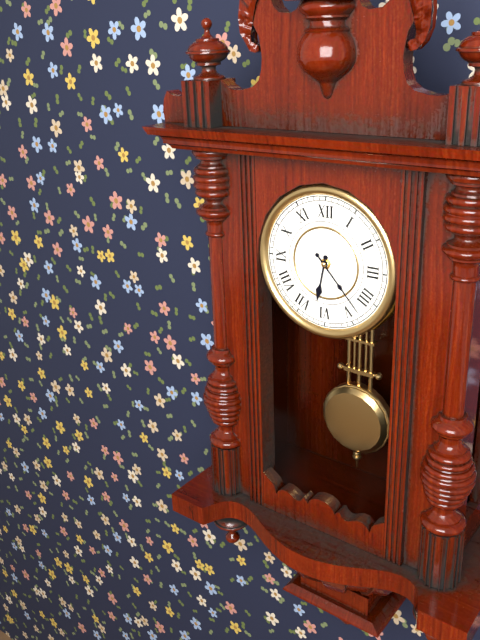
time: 6:23
